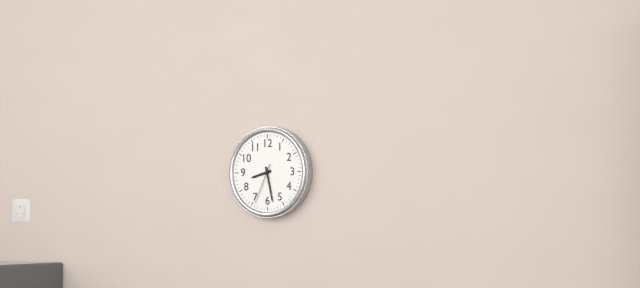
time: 8:28
